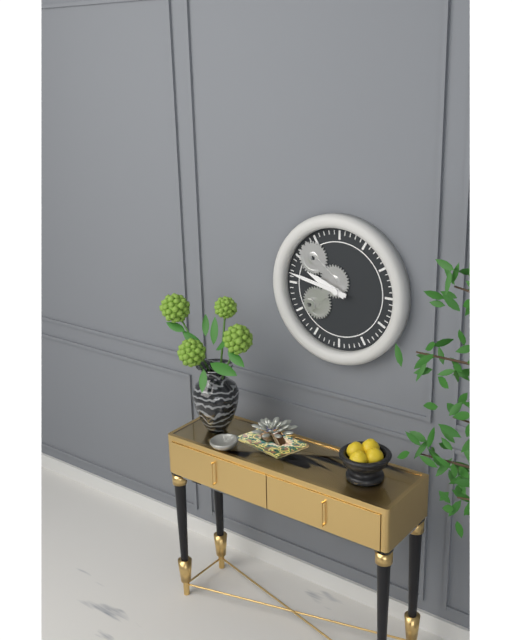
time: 9:47
